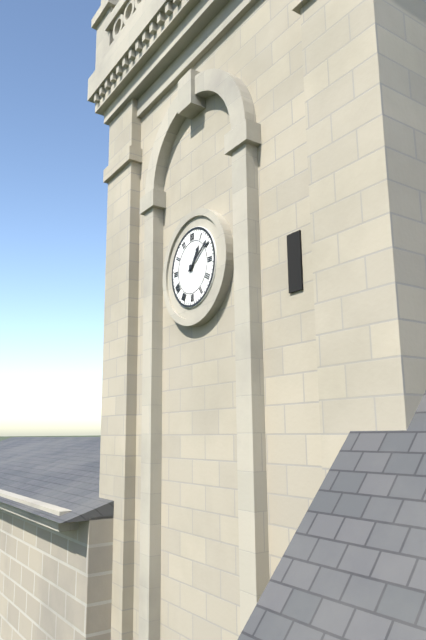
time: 1:09
